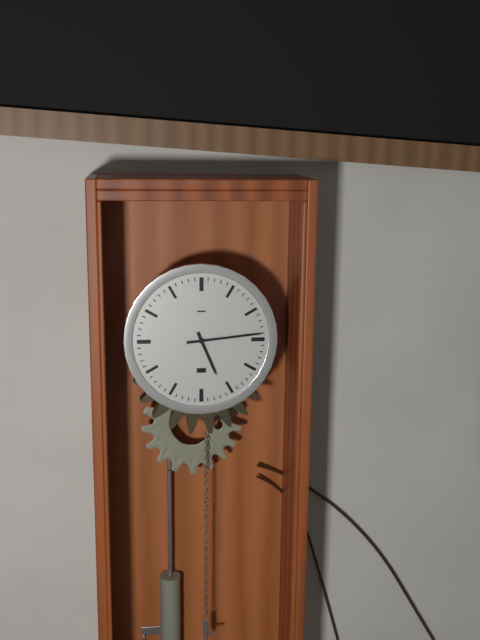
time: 5:14
